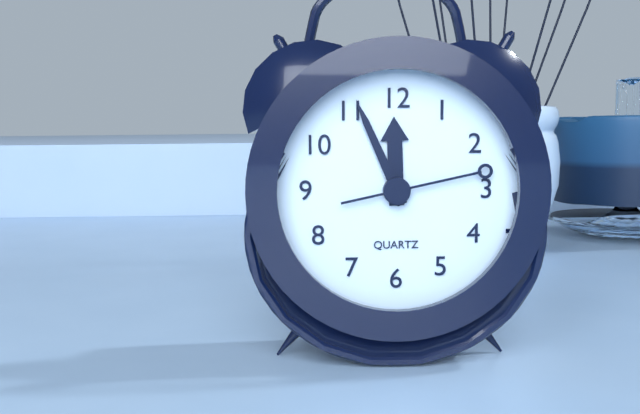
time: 11:56:13
